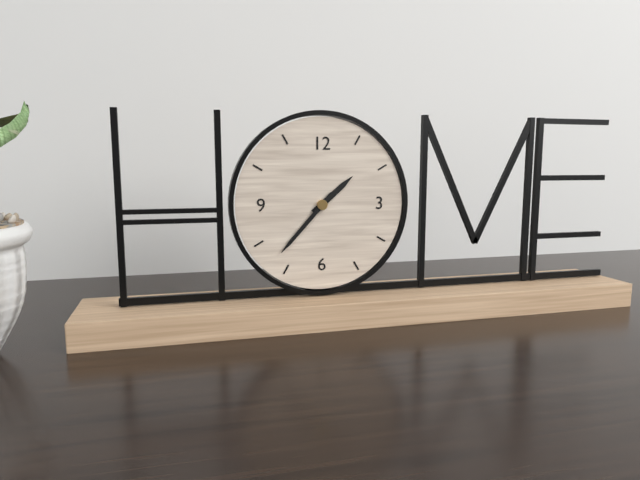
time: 1:37
